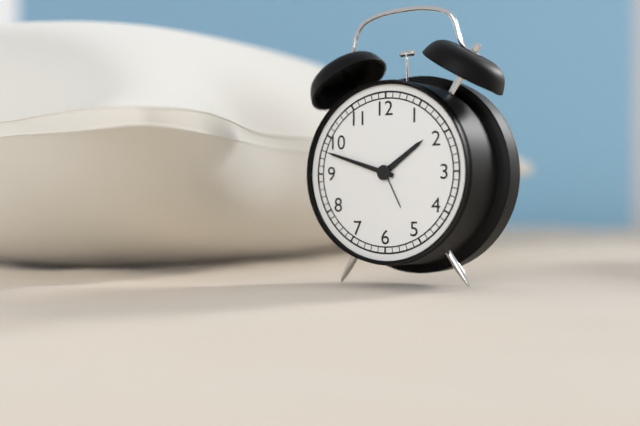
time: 1:48
